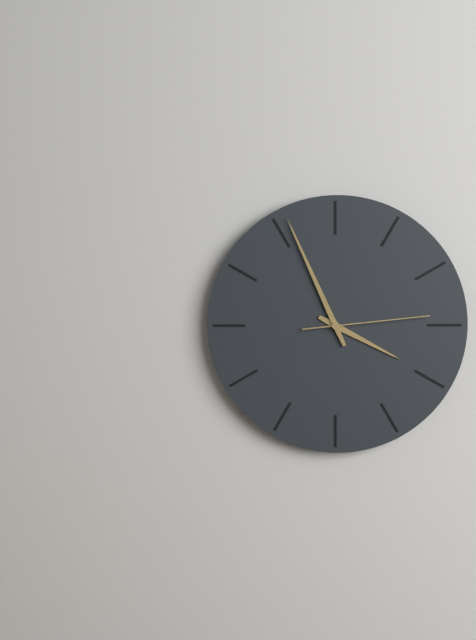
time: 3:56:14
